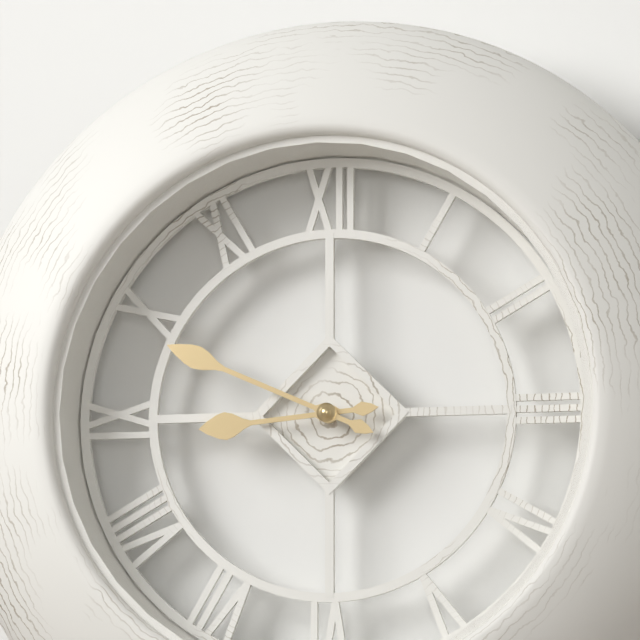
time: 8:49
